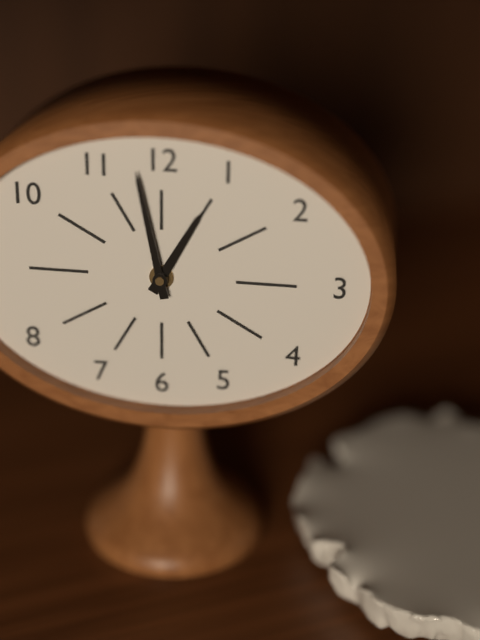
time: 12:58
